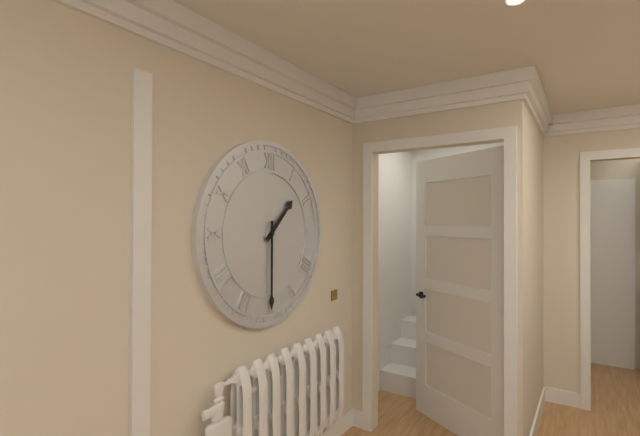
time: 1:30
